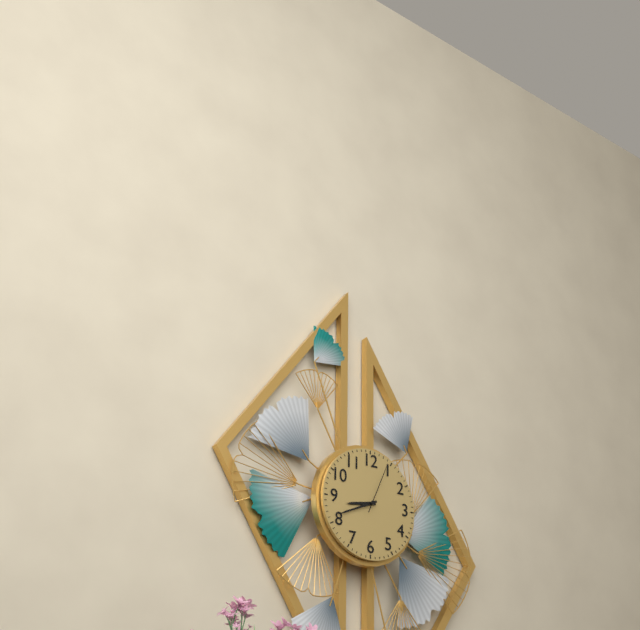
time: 8:41:04
